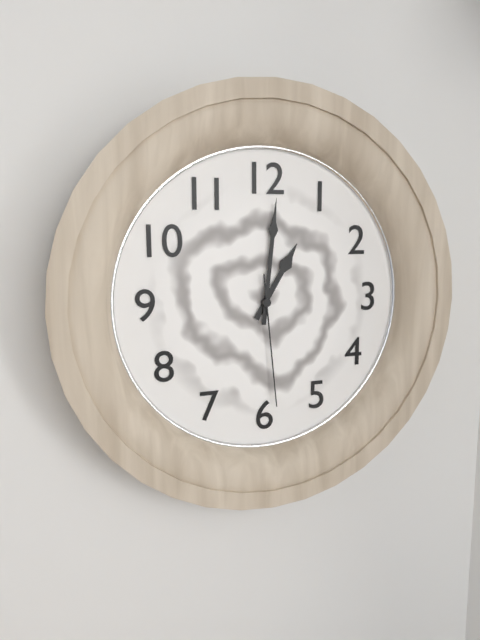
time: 1:01:29
